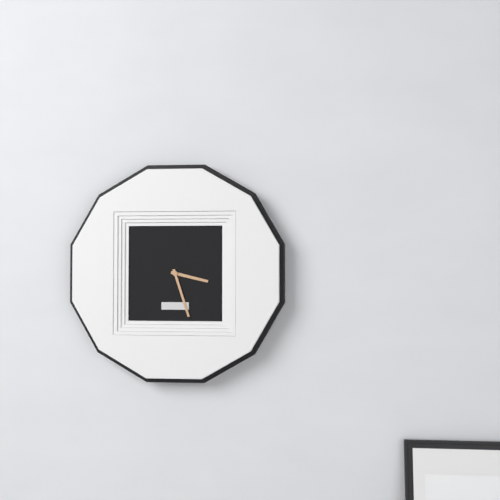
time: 3:27
